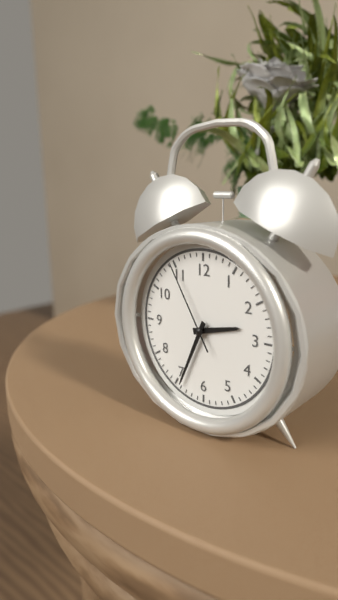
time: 2:34:55
